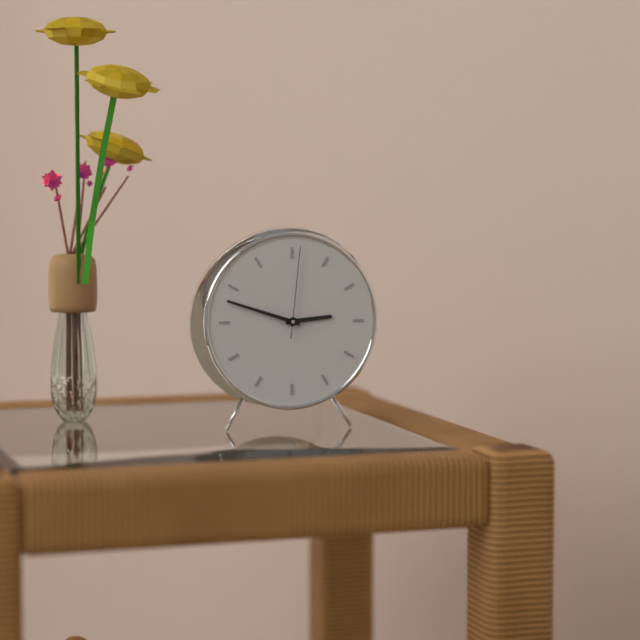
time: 2:48:01
